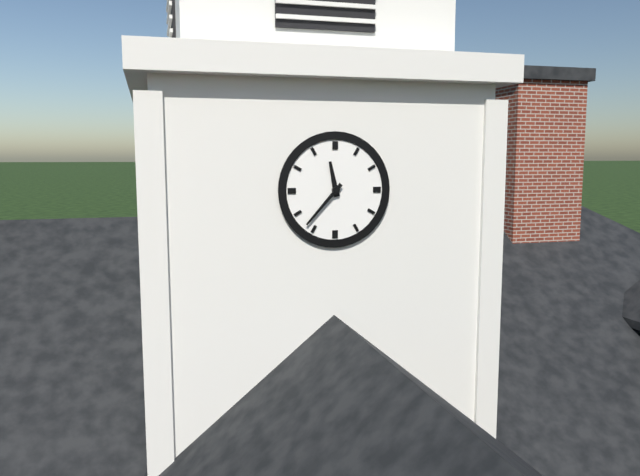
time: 11:37
